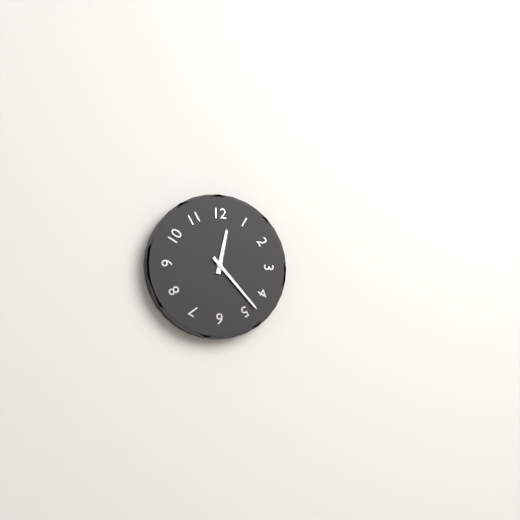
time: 12:23
